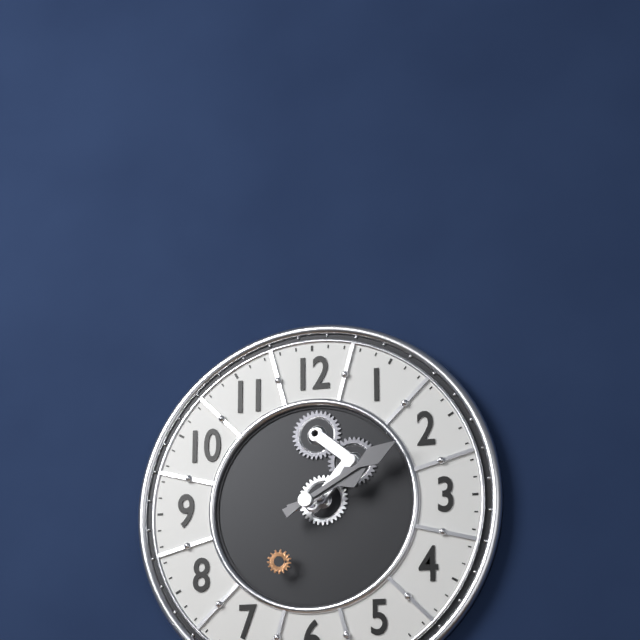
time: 2:10
